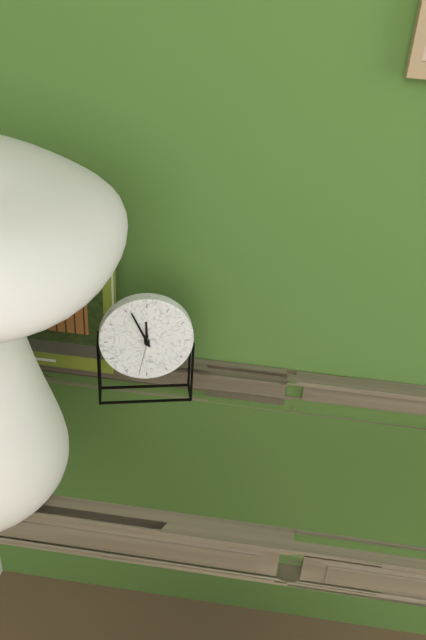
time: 11:56
